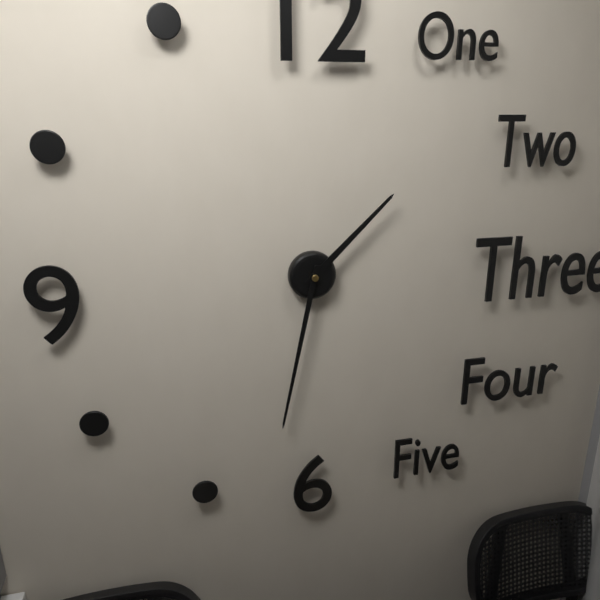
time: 1:32
